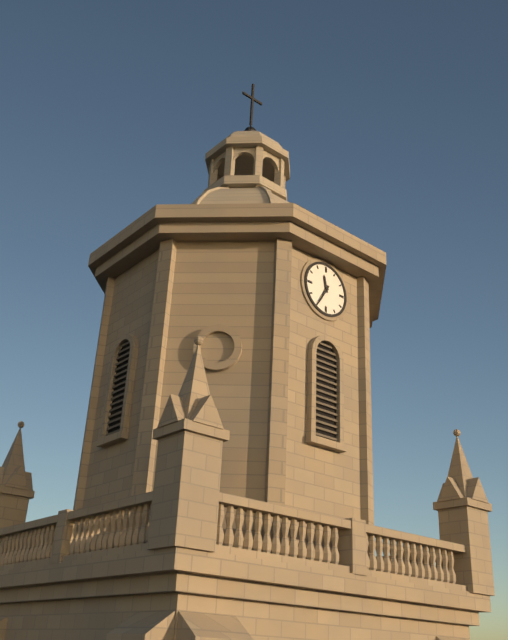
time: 11:35
